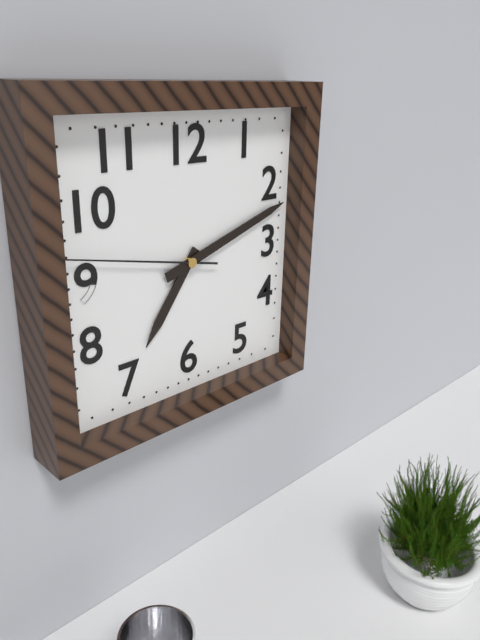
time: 7:12:47
